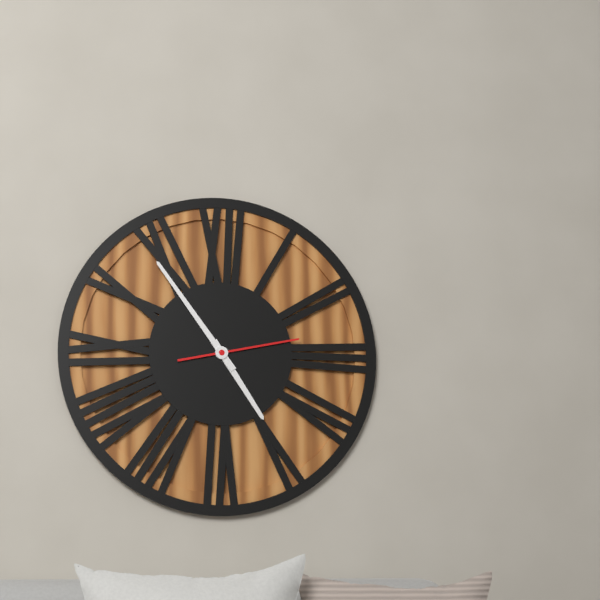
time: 4:54:13
